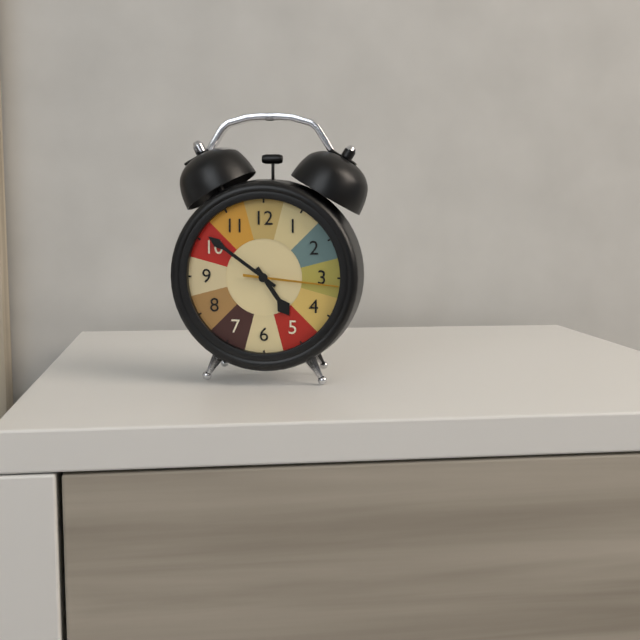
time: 4:51:16
